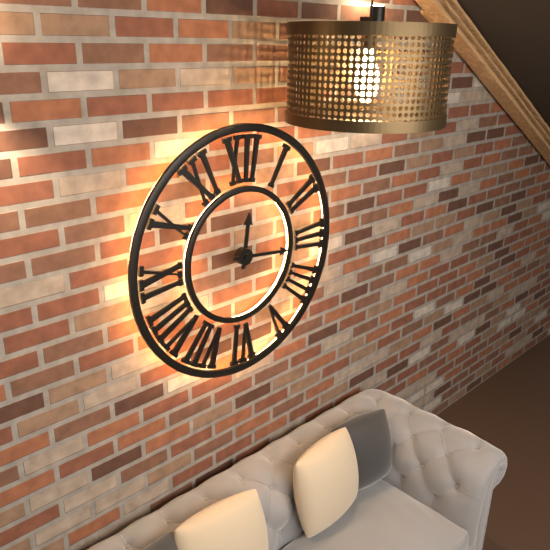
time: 12:16
